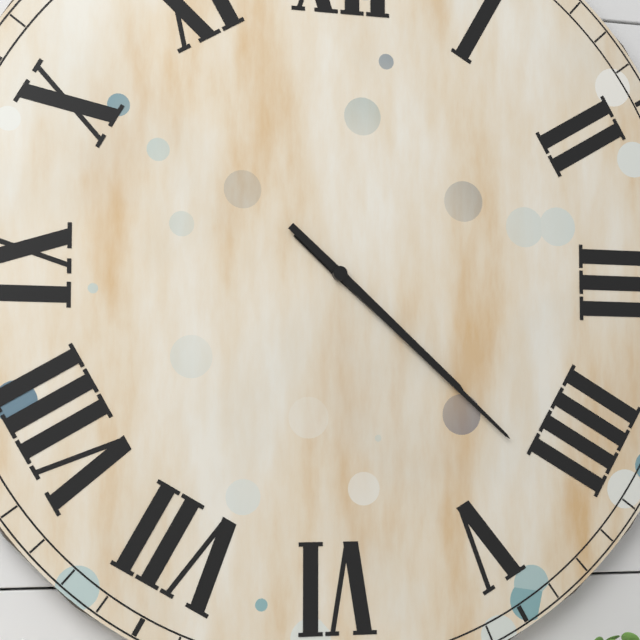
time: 4:22
